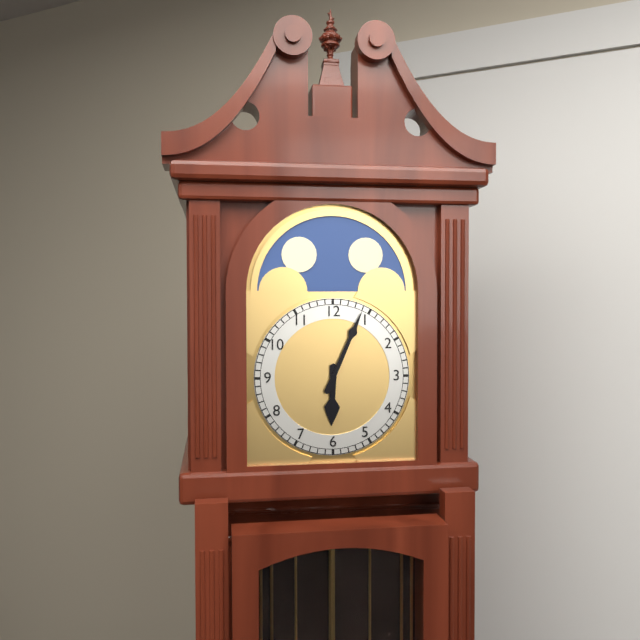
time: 6:04
